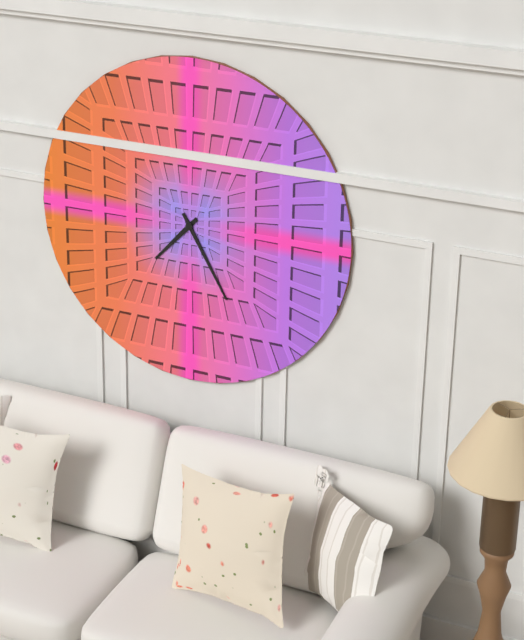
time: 7:25
